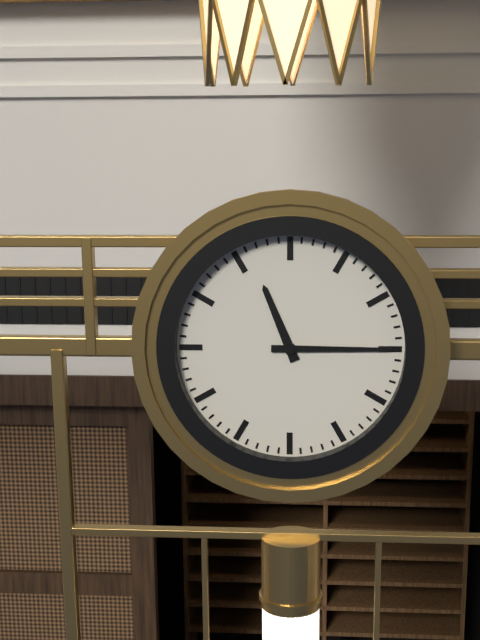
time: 11:15
